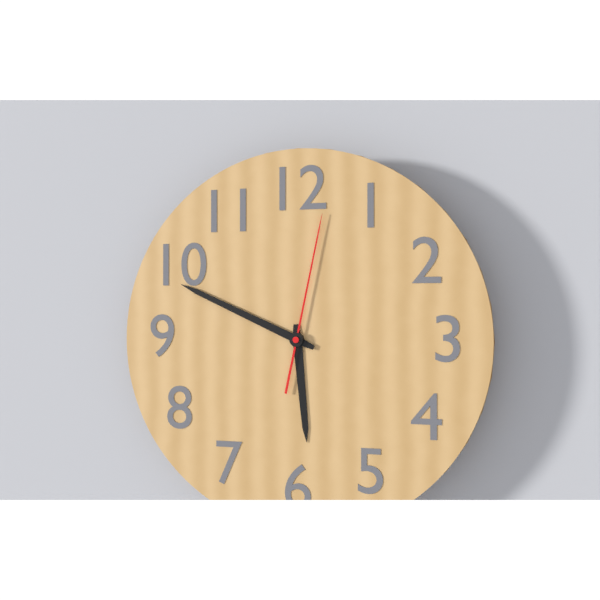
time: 5:49:02
